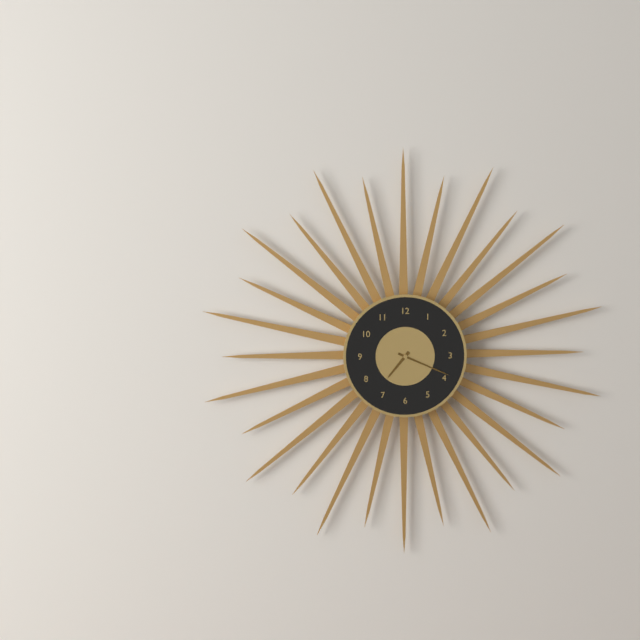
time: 7:19
